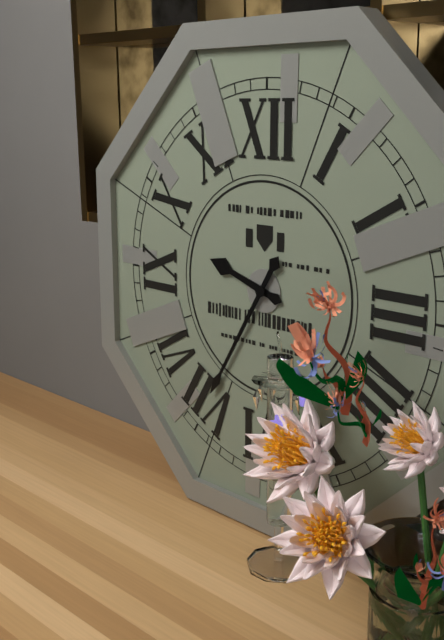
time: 9:35
